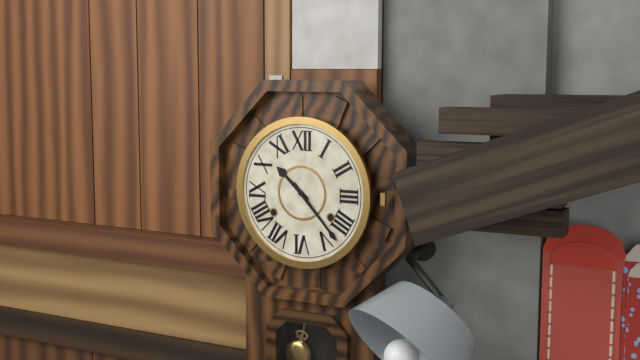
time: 10:23
